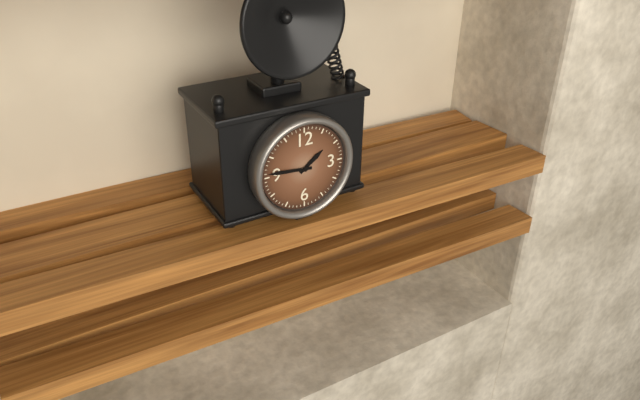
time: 1:46
